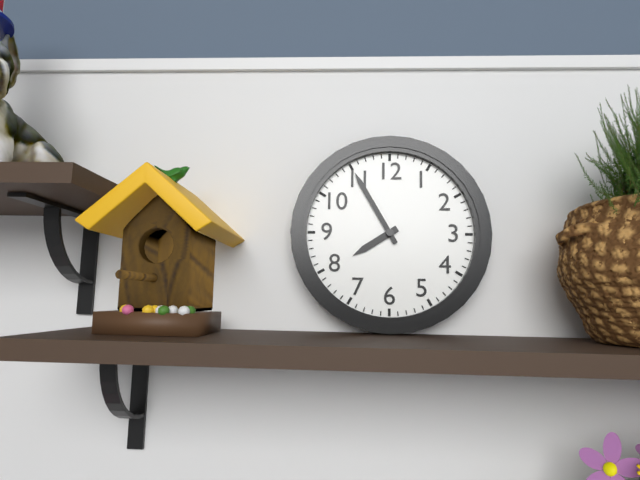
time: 7:55
